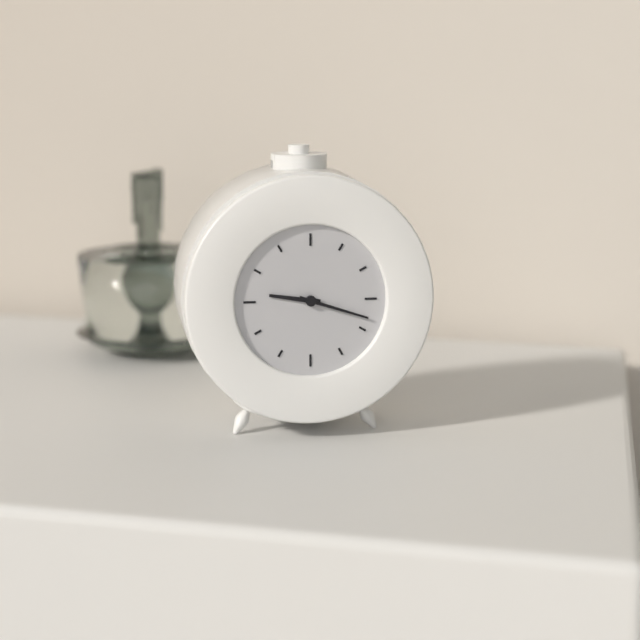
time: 9:18
